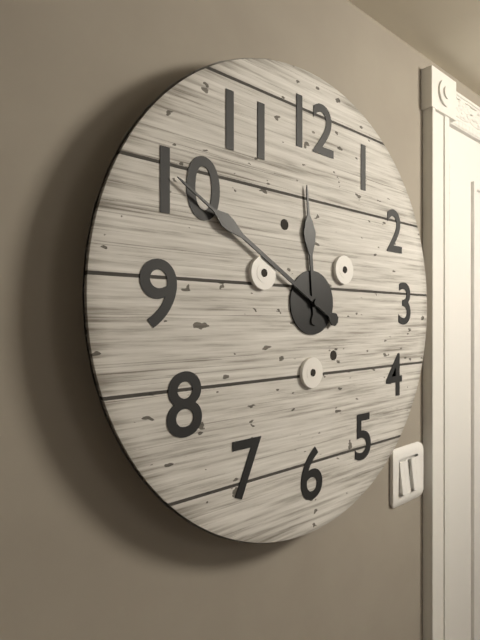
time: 11:50
